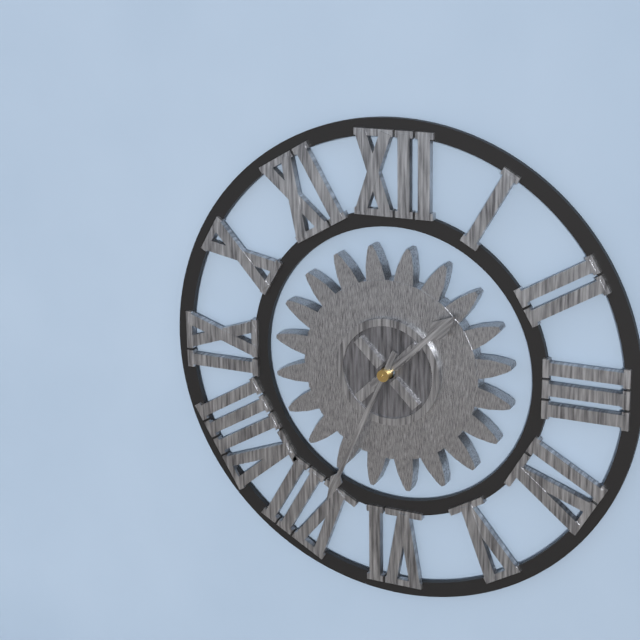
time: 1:34
